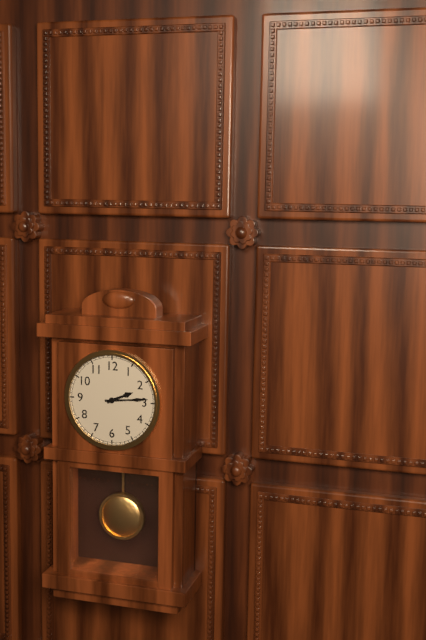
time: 2:14
